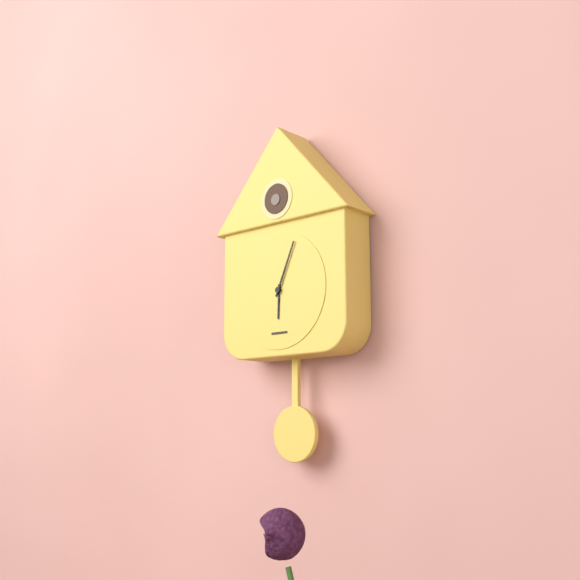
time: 6:04
